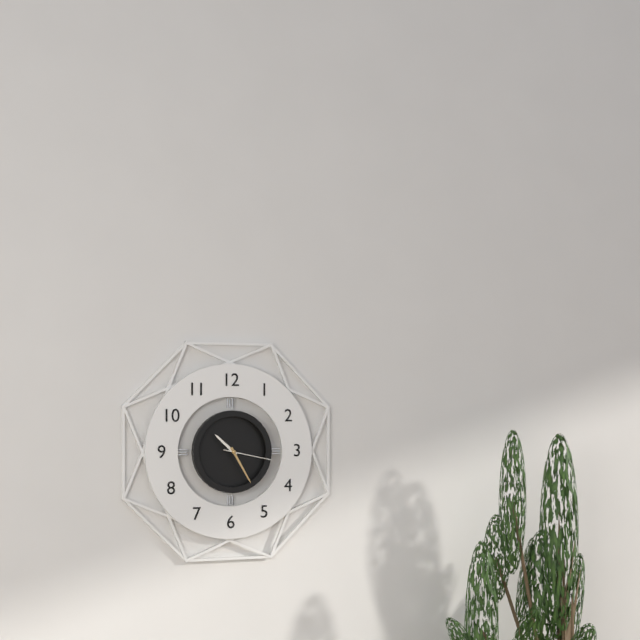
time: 10:25:17
